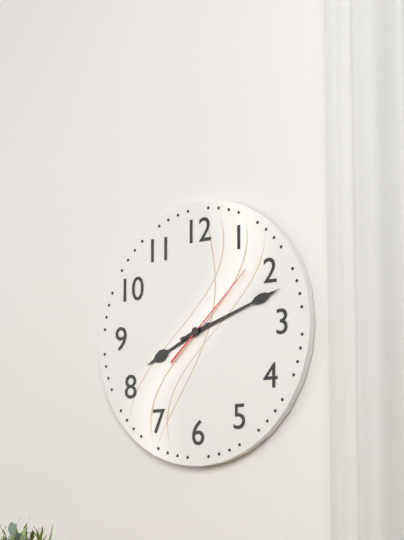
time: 8:12:08
